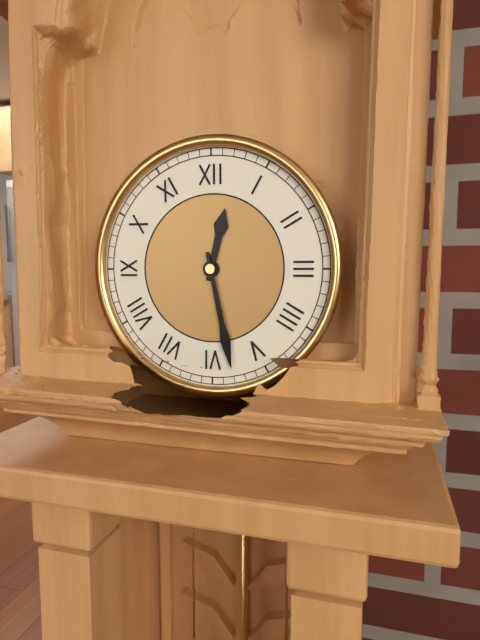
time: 12:28
